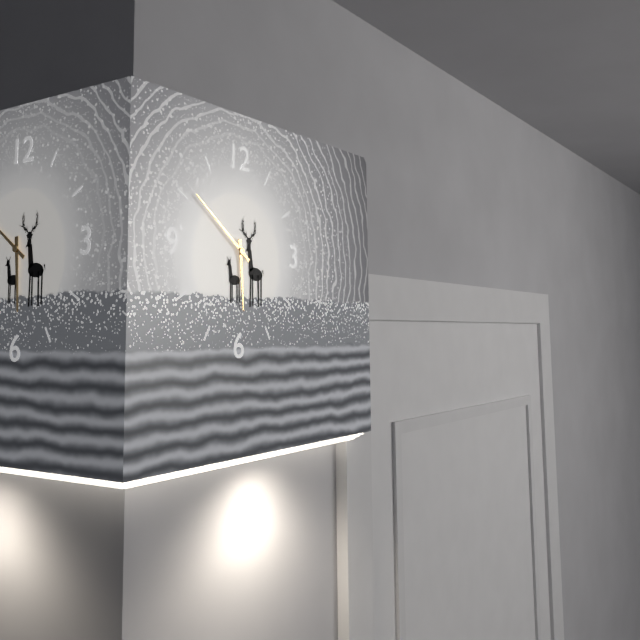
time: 5:51
